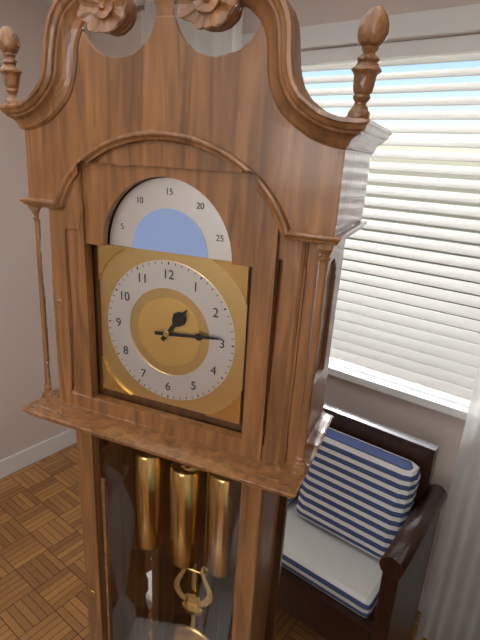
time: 1:14
